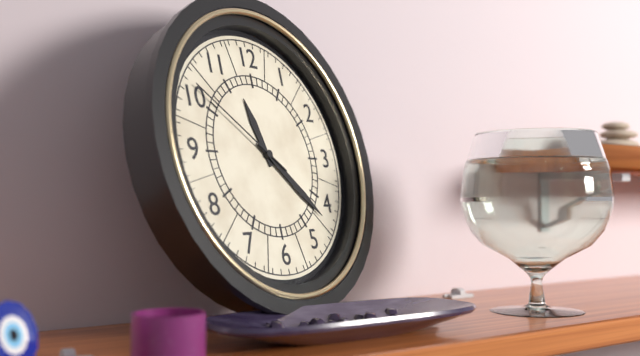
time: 11:22:51
